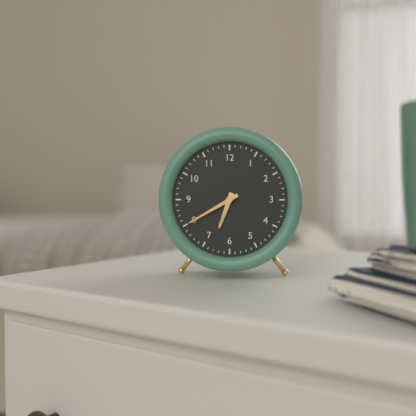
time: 6:40
